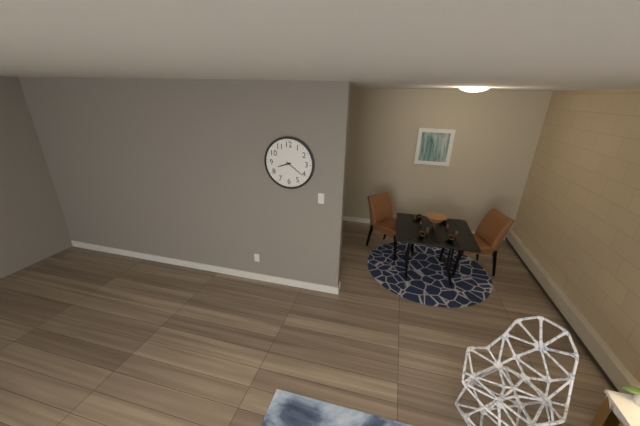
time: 8:21
